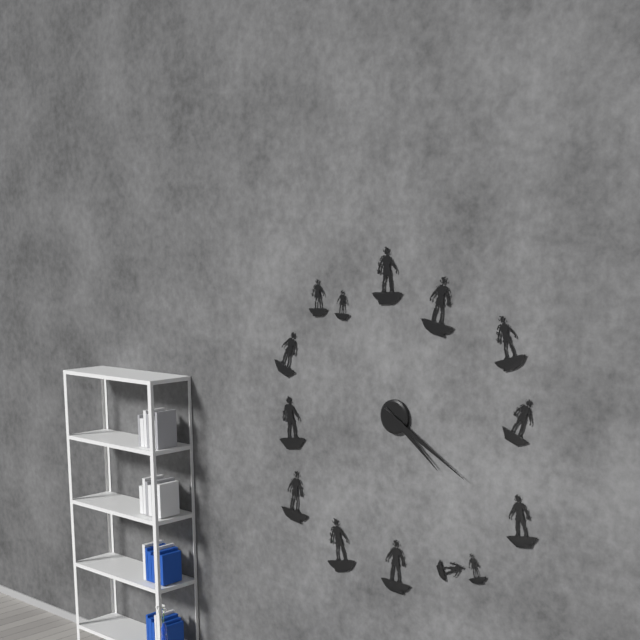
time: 4:20
